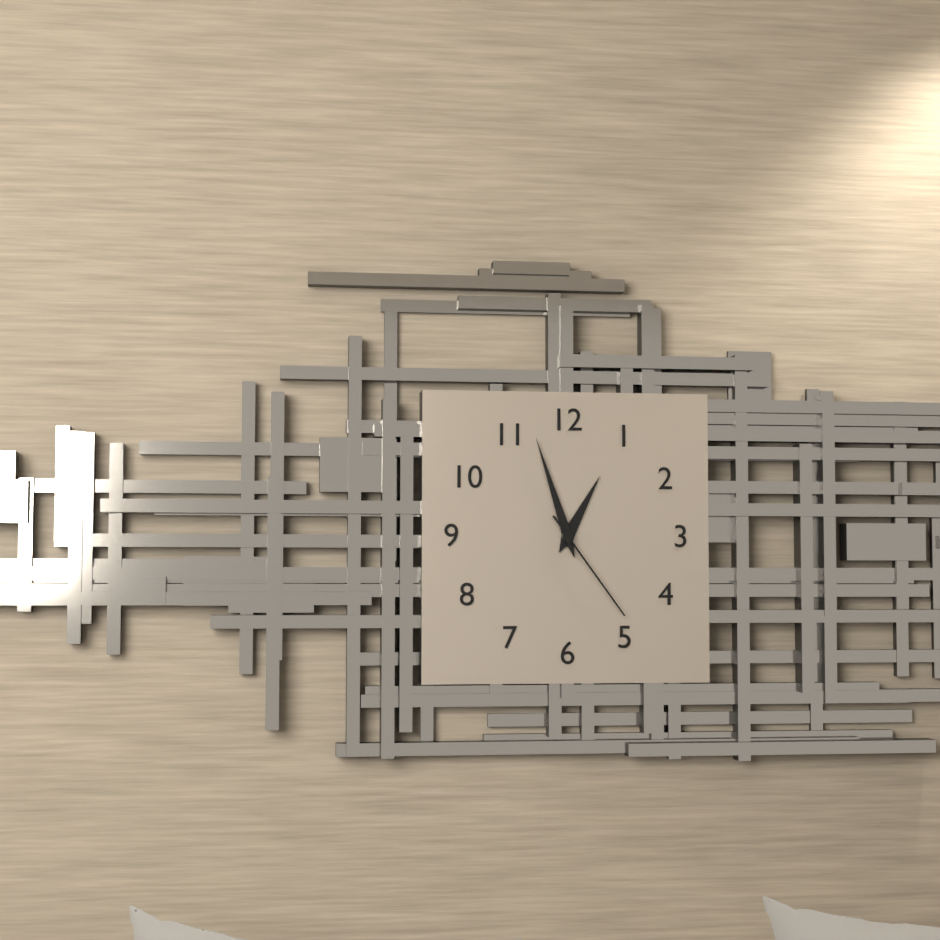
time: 12:57:24
